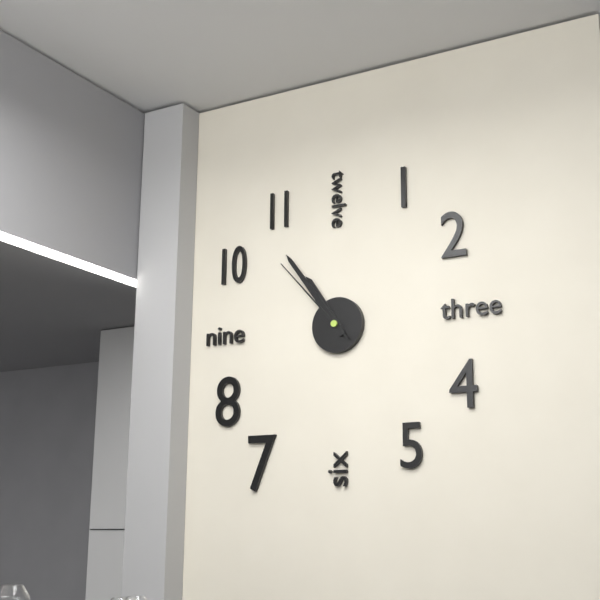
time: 10:54:53
